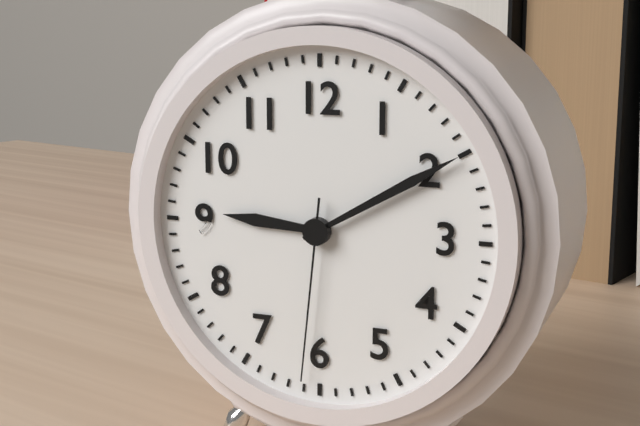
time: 9:10:31
